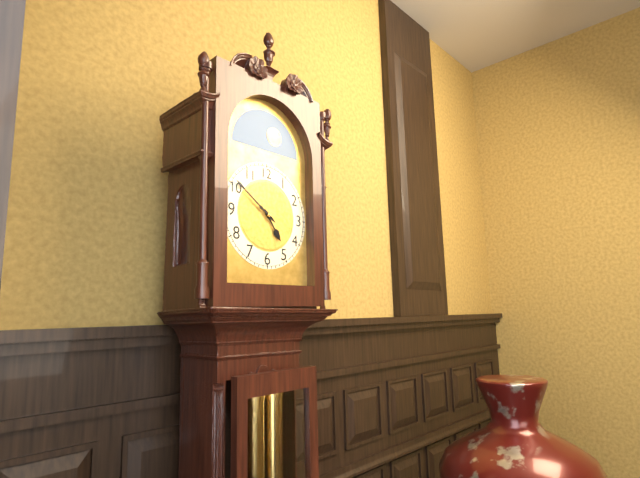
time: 4:51
